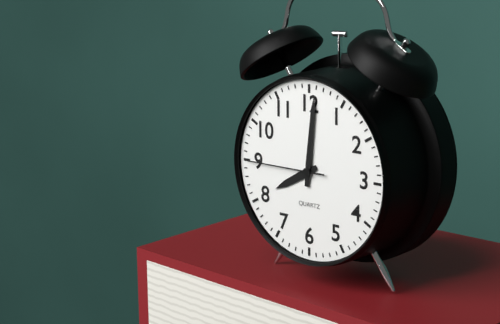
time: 8:01:45
